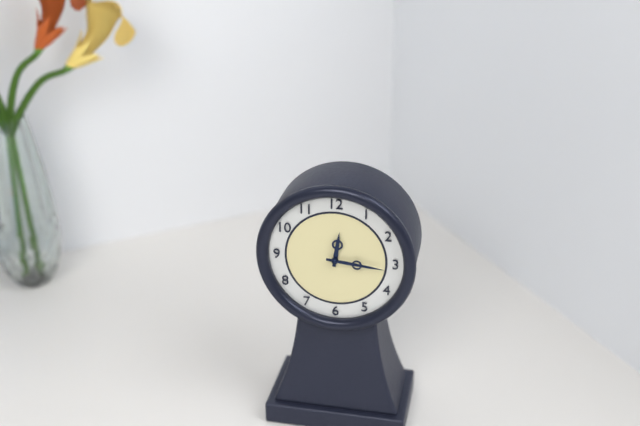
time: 12:16
